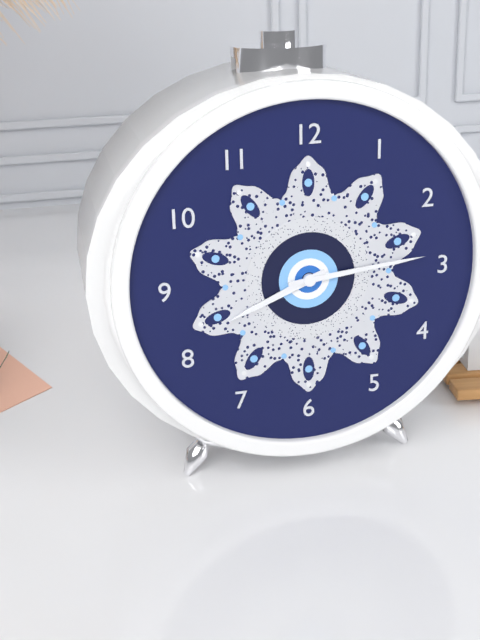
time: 8:14
